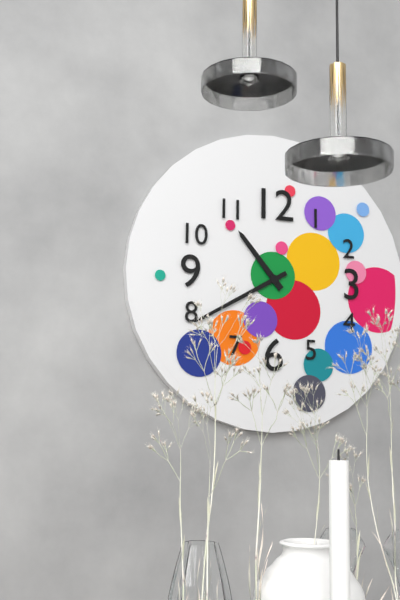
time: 10:40
